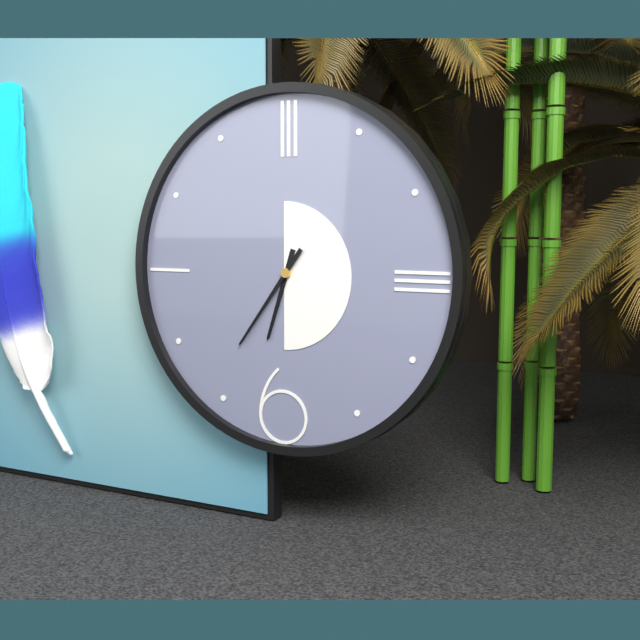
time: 6:36
